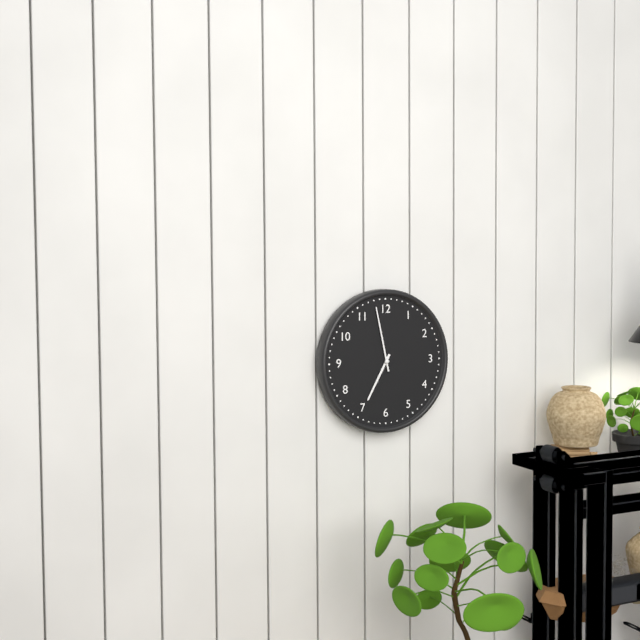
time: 6:58
